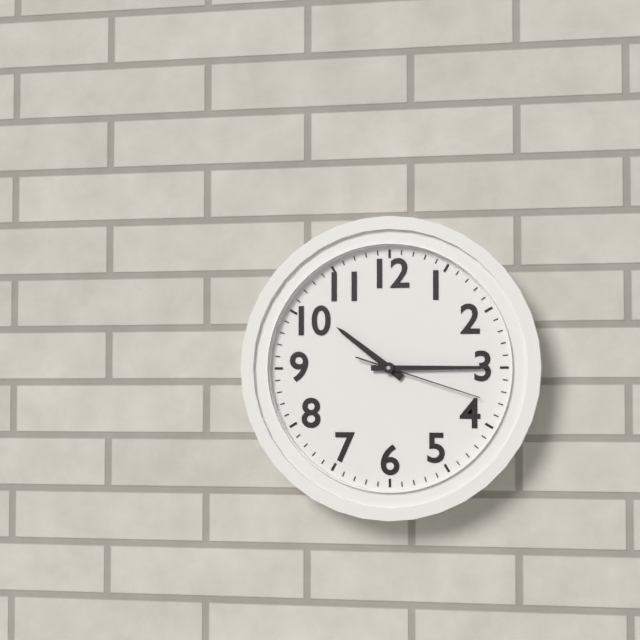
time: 10:15:18
